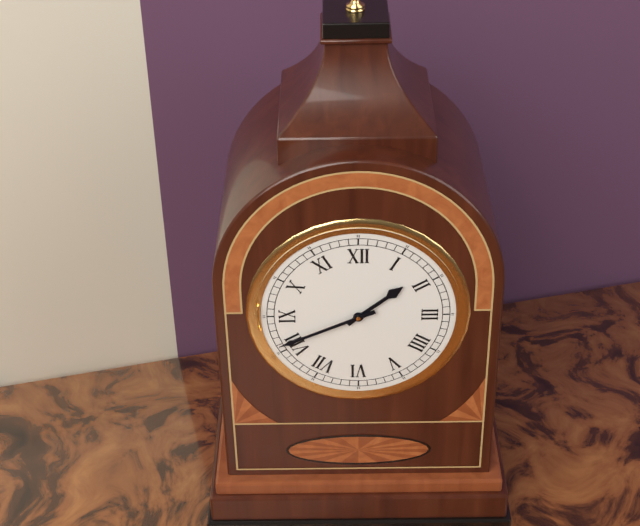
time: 1:41
